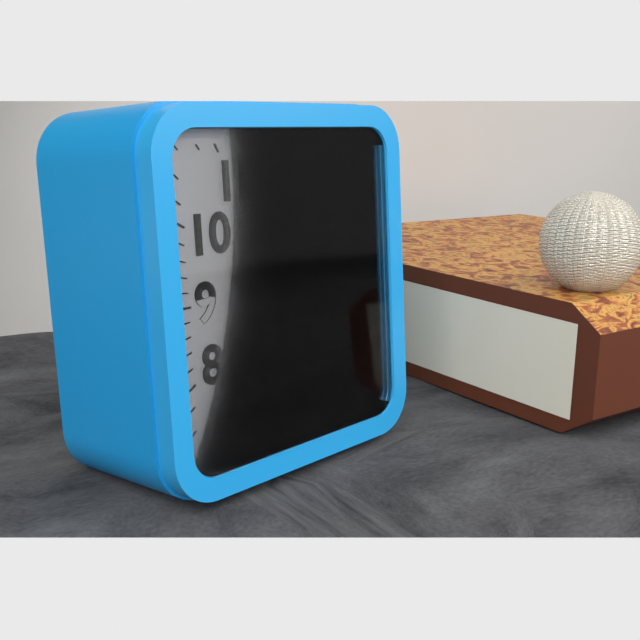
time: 12:58
